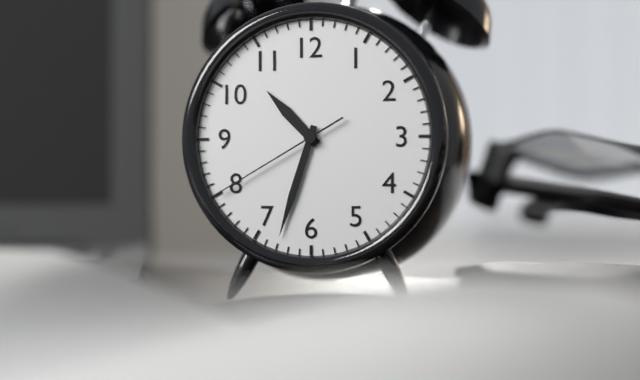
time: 10:33:40
